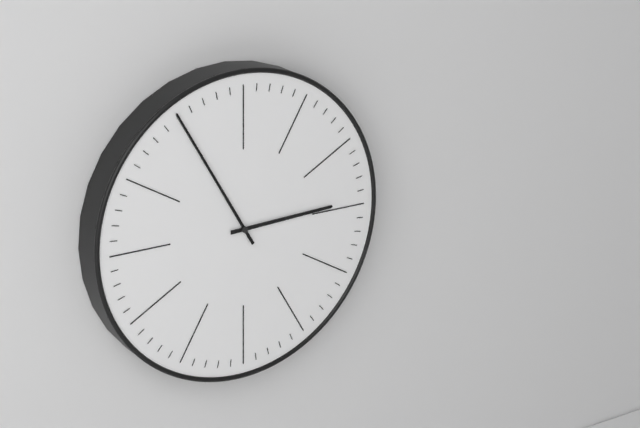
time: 2:55
